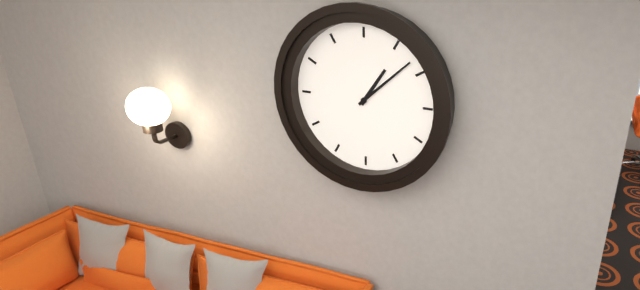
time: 1:08
